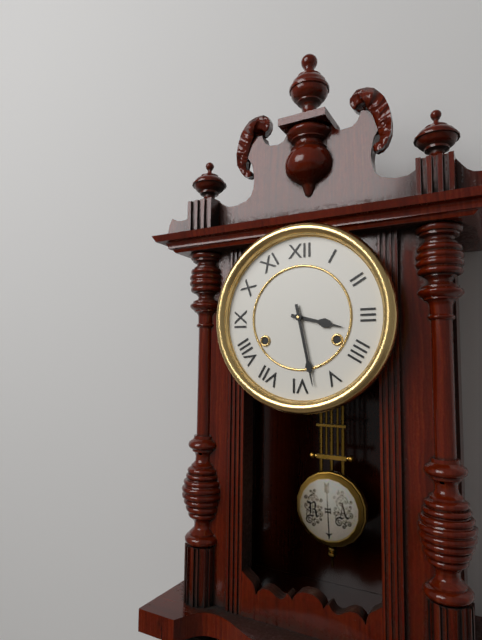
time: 3:28
